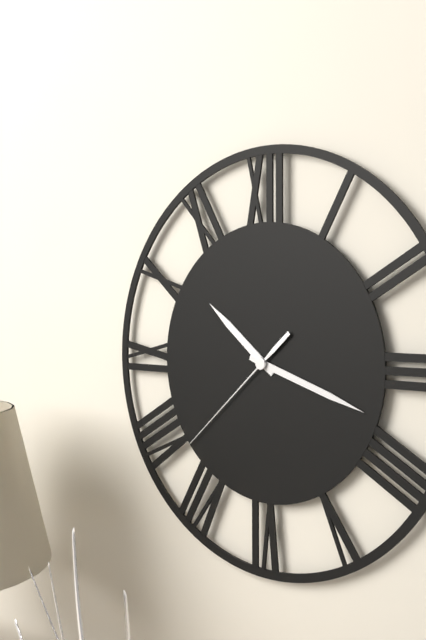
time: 10:18:38
